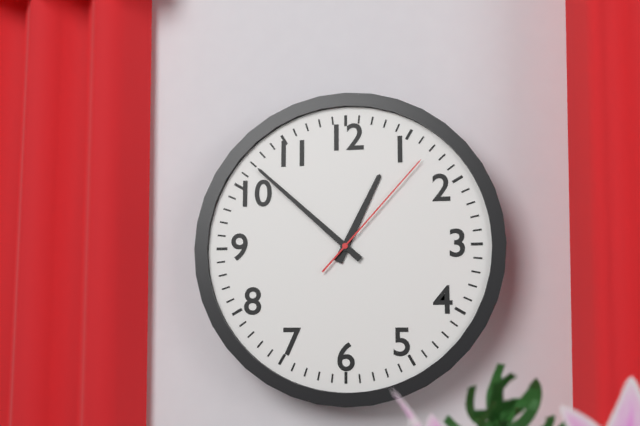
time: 12:52:07
